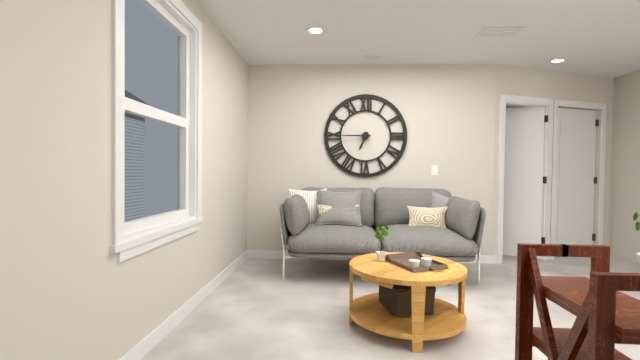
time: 6:45
